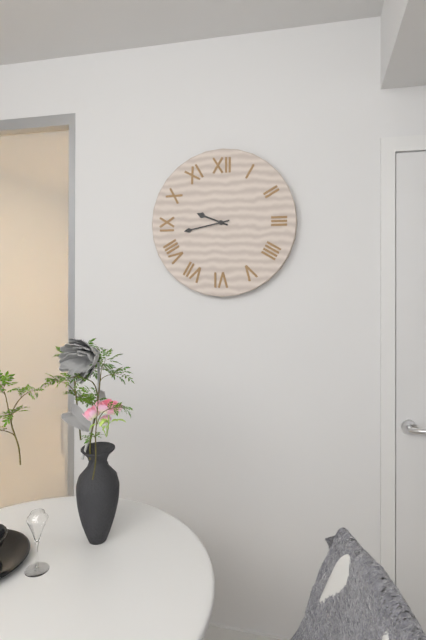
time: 9:43
